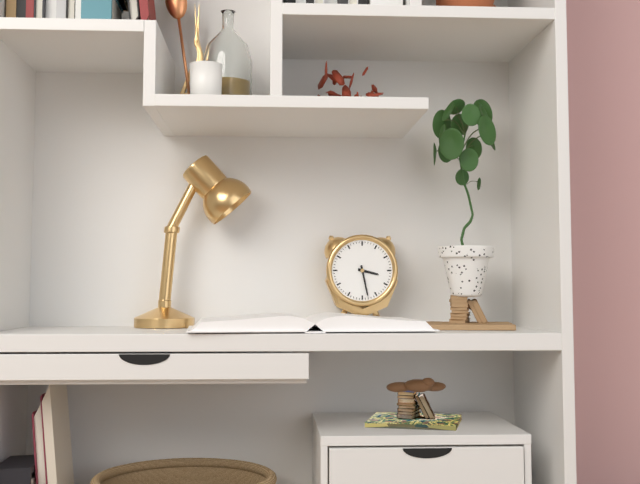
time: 3:28
